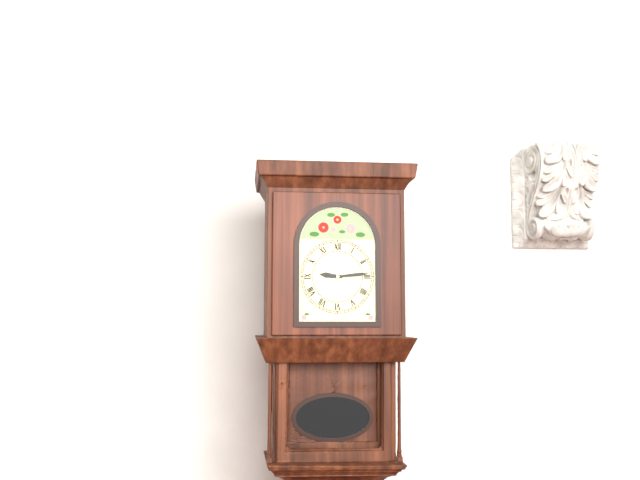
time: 9:14
